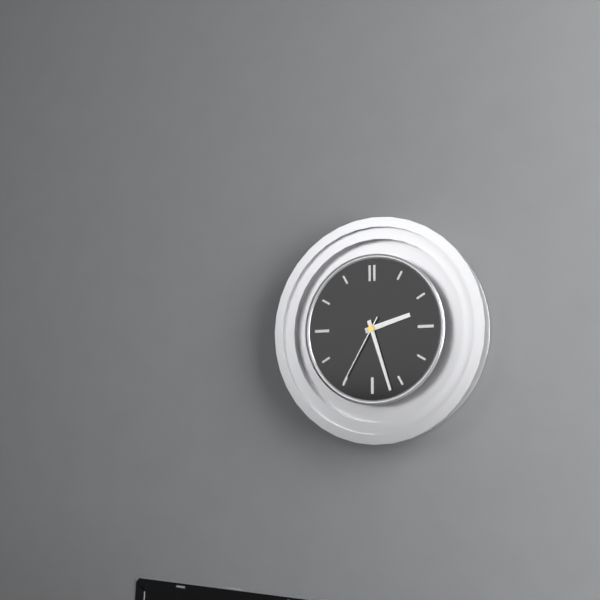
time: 2:27:35
